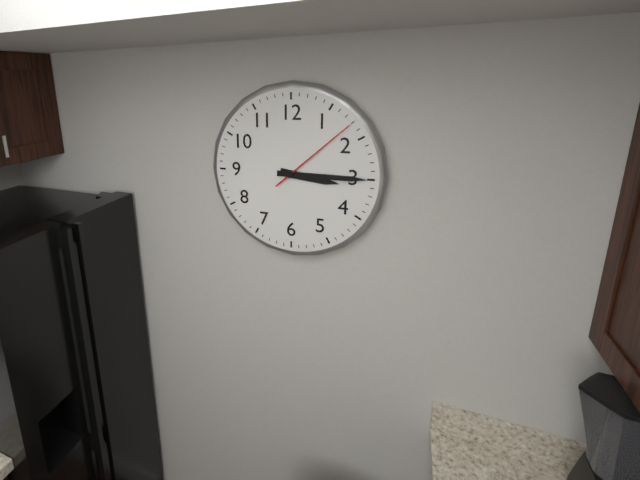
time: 3:15:08
